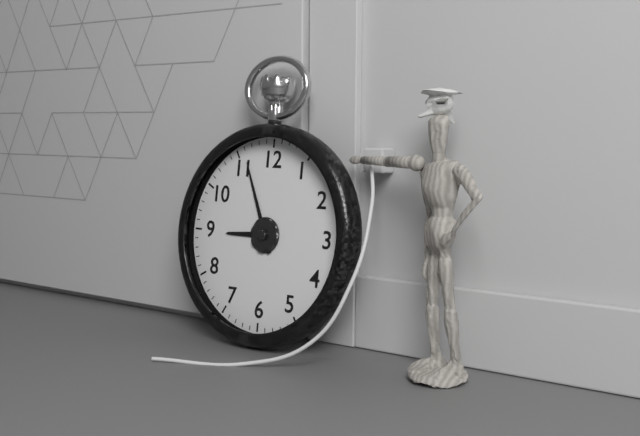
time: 8:56
